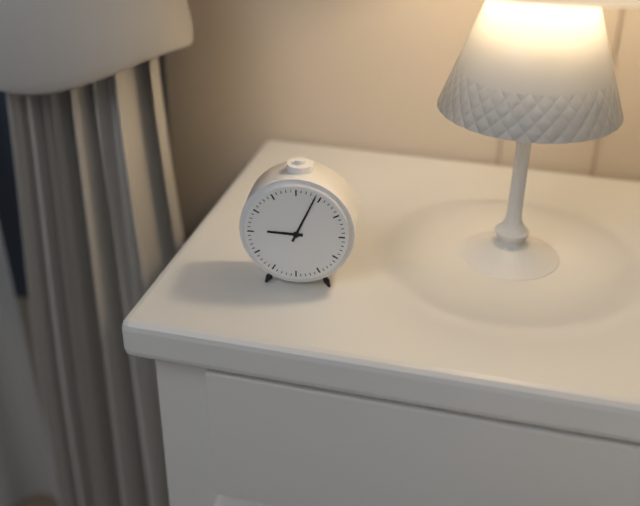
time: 9:04
